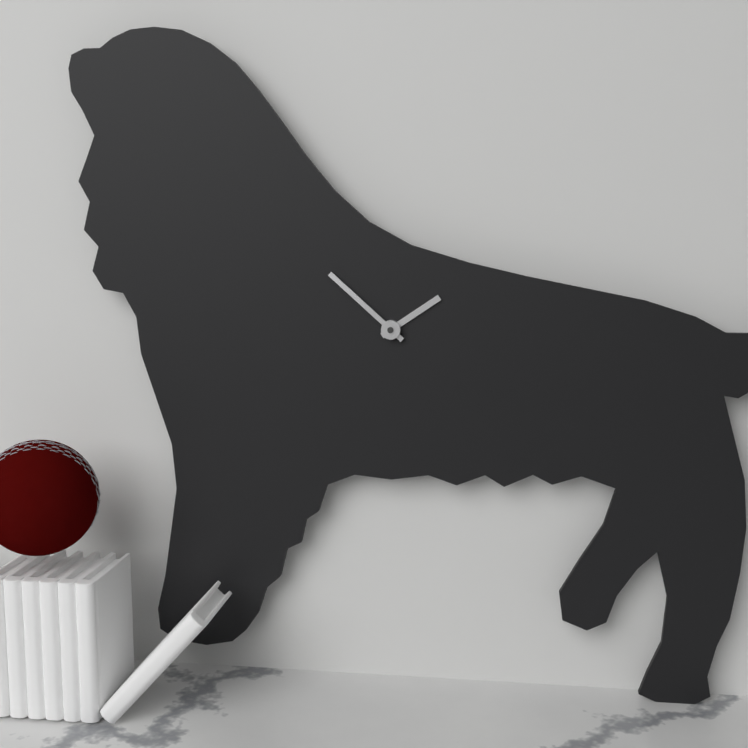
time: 1:52
